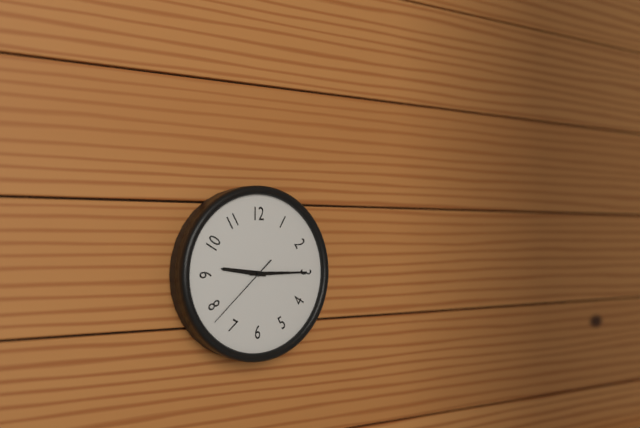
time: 9:15:38
